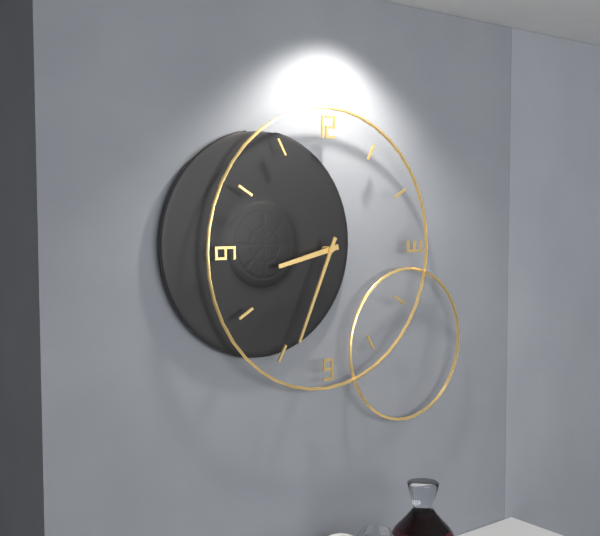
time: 8:34
